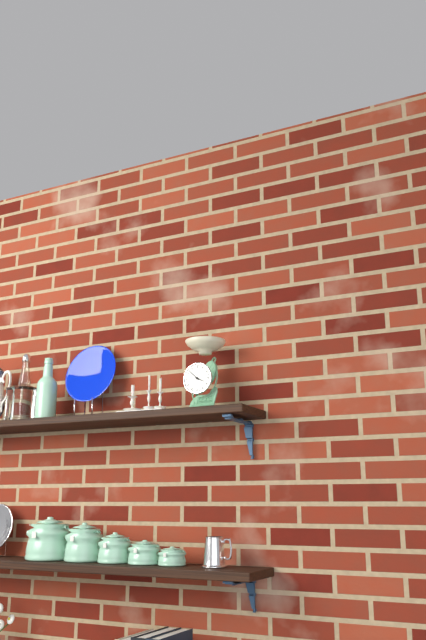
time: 3:52
